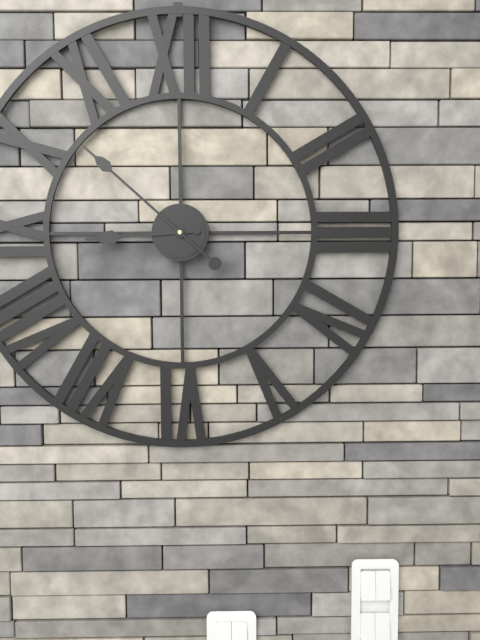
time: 8:52
